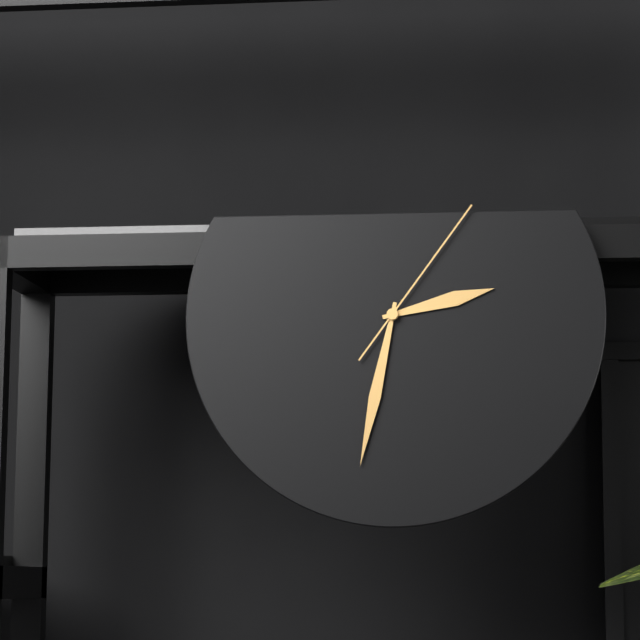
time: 2:32:06
